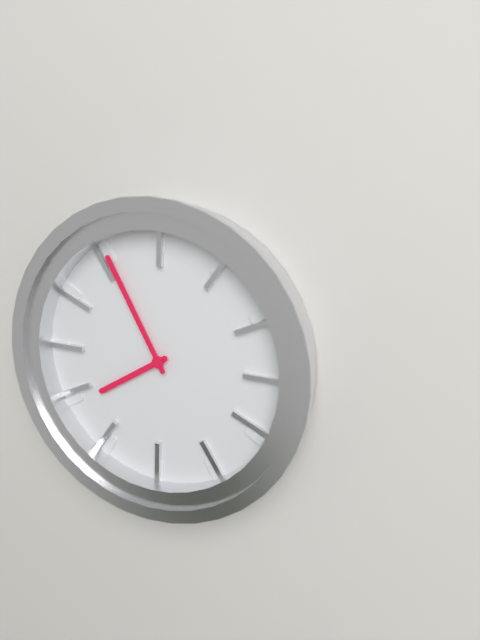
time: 7:55
